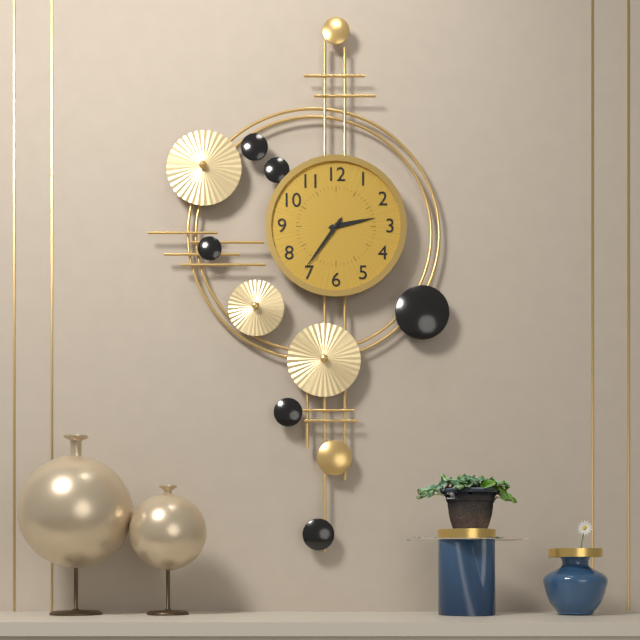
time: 2:36
